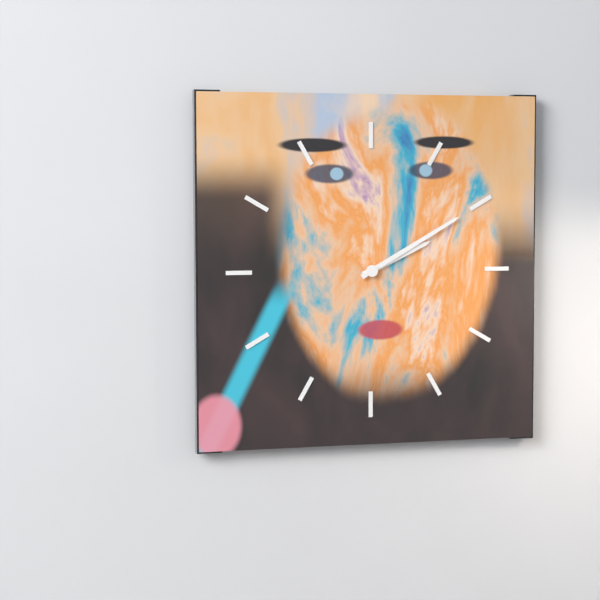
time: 2:10
